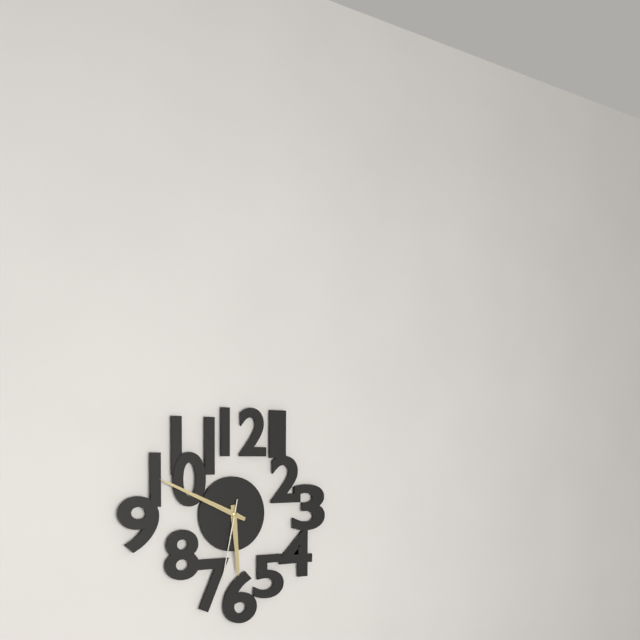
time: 5:49:32
